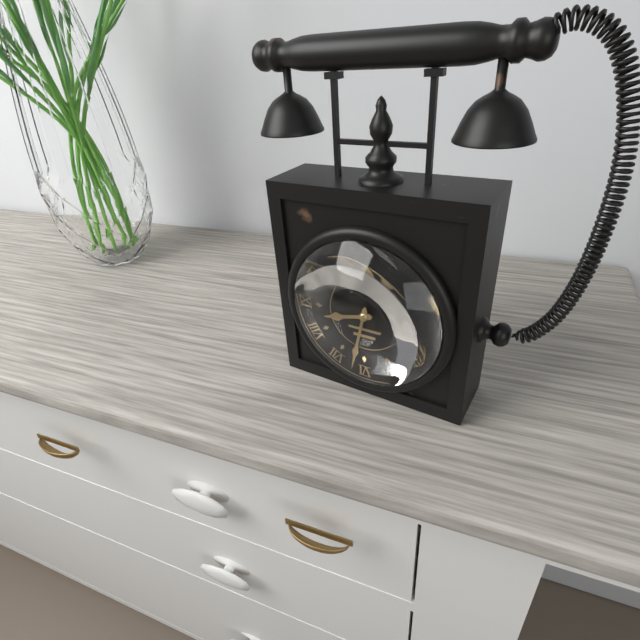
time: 8:32
